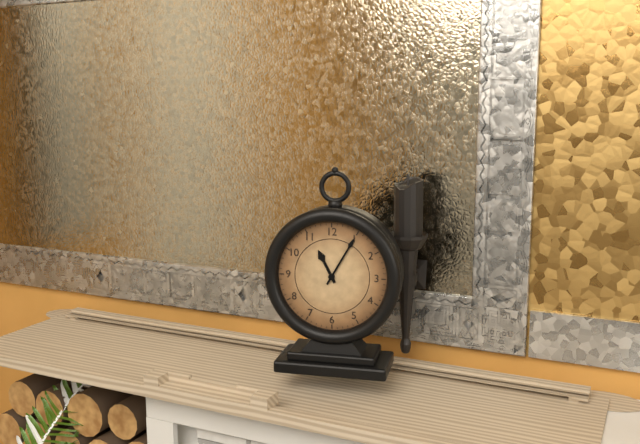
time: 11:05
